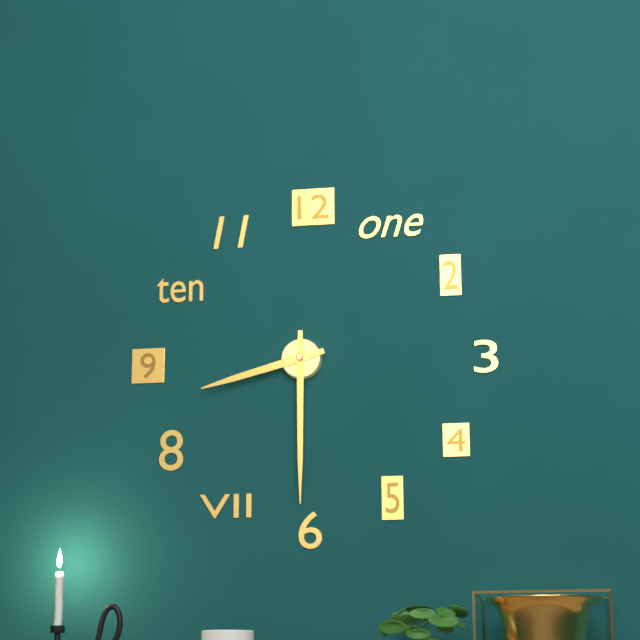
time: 8:30
